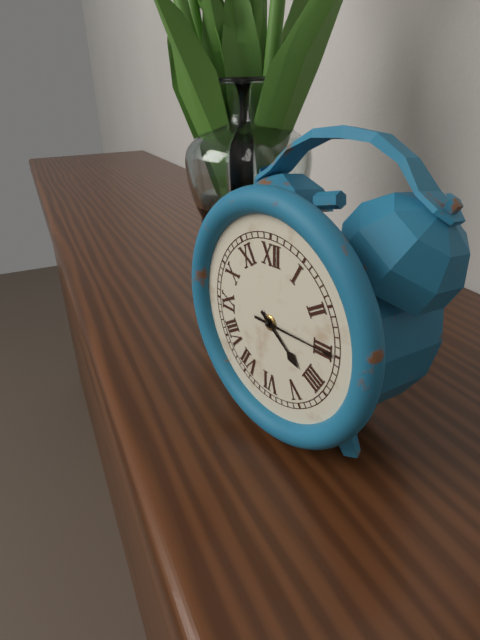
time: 4:15
